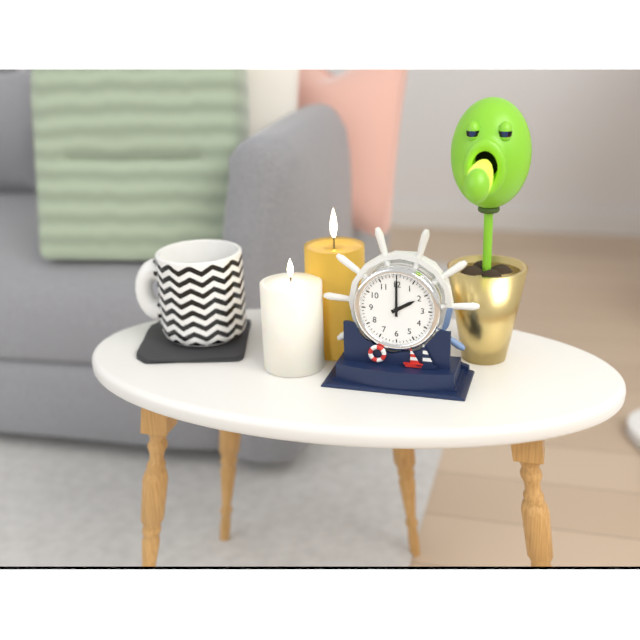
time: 2:00
